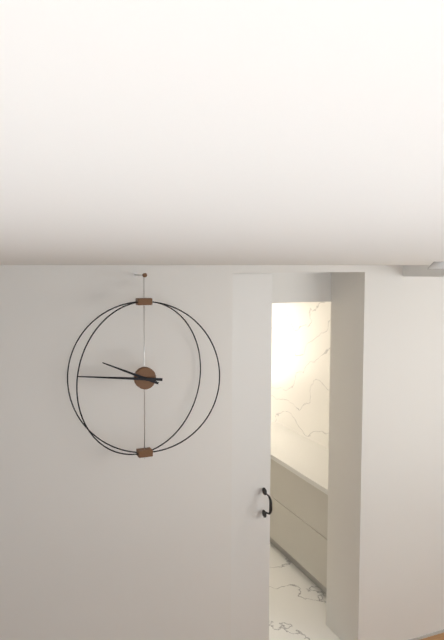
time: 9:46
